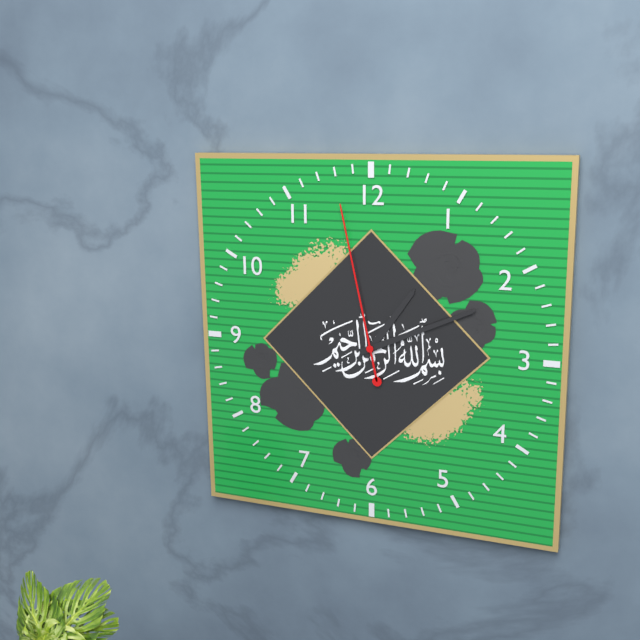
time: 1:11:58
